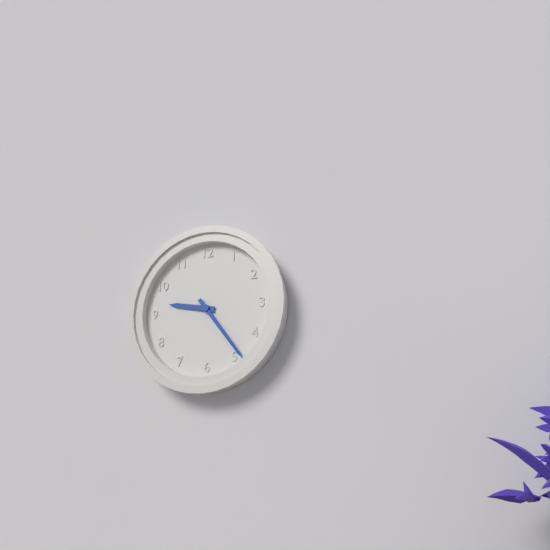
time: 9:24
